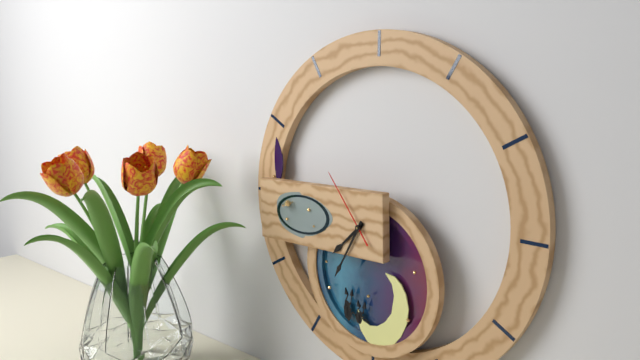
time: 7:35:54
